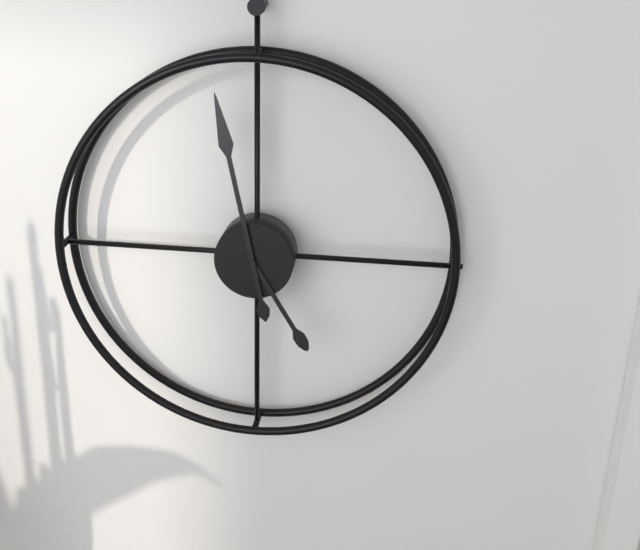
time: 4:58
